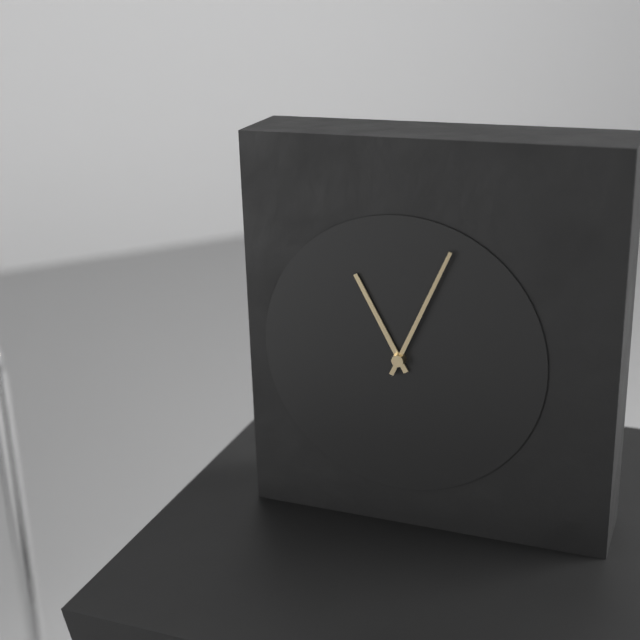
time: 11:04
